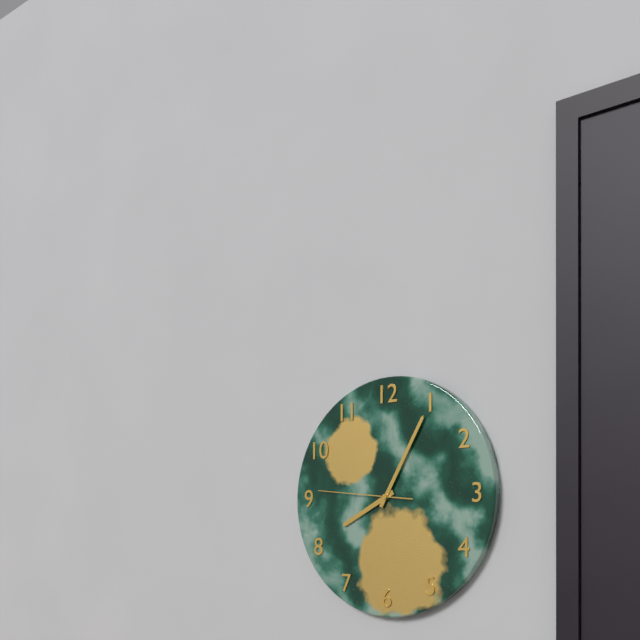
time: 8:05:46
